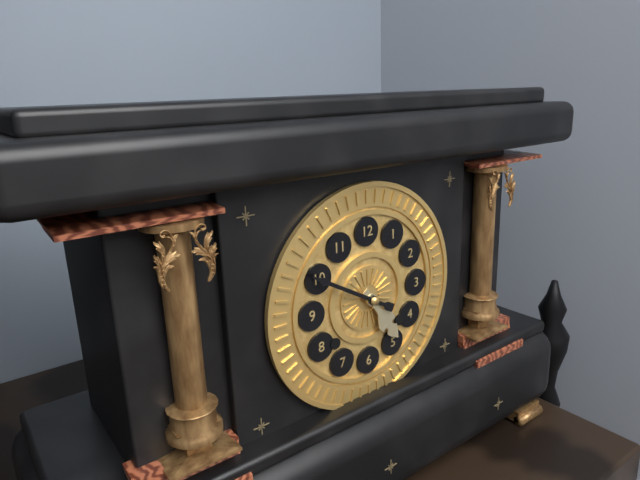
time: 4:50
